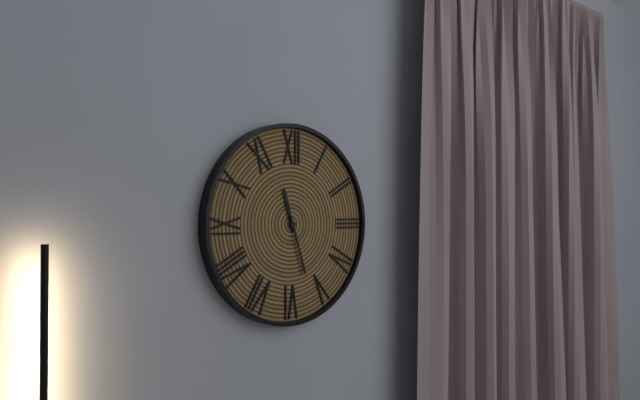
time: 11:27
